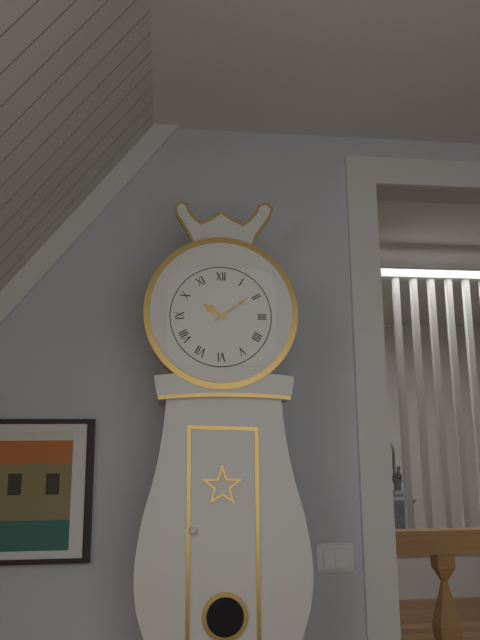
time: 10:09
